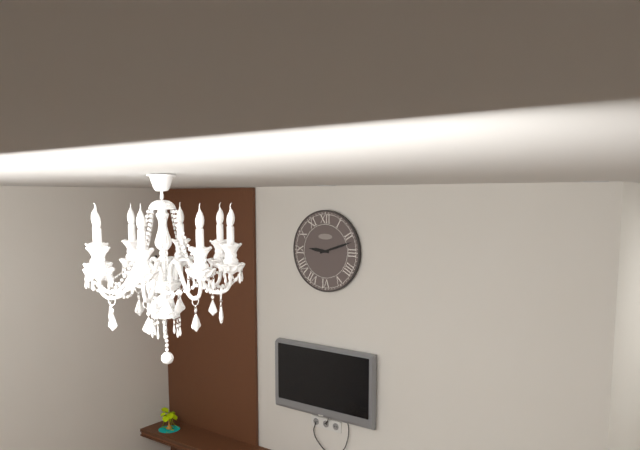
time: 9:12
